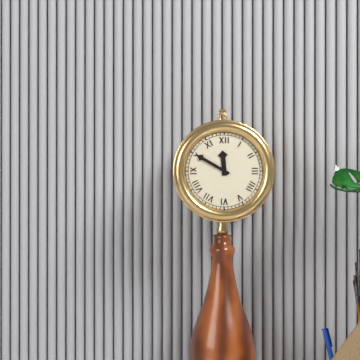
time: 11:50
